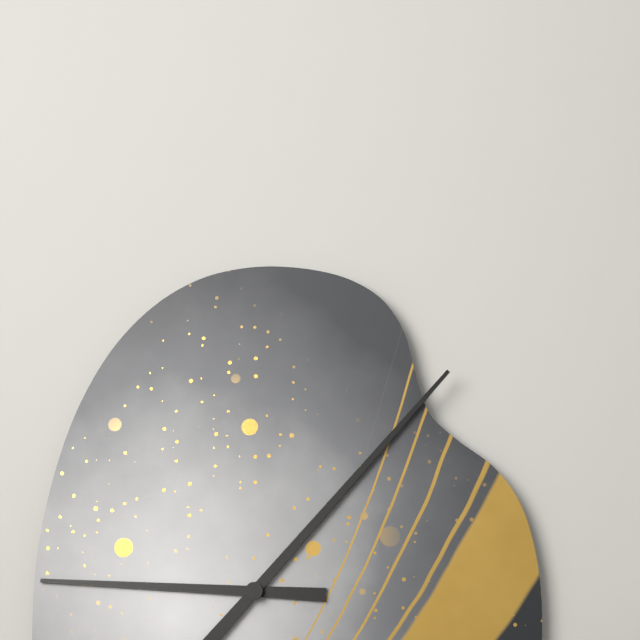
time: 9:07
